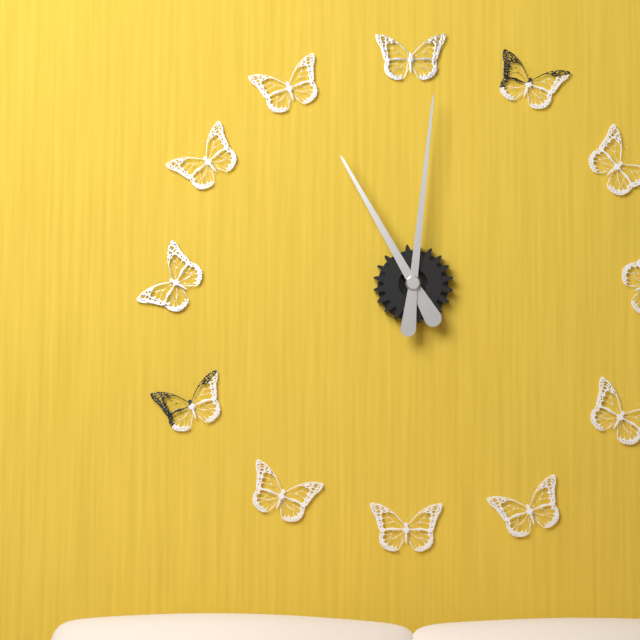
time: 11:01
